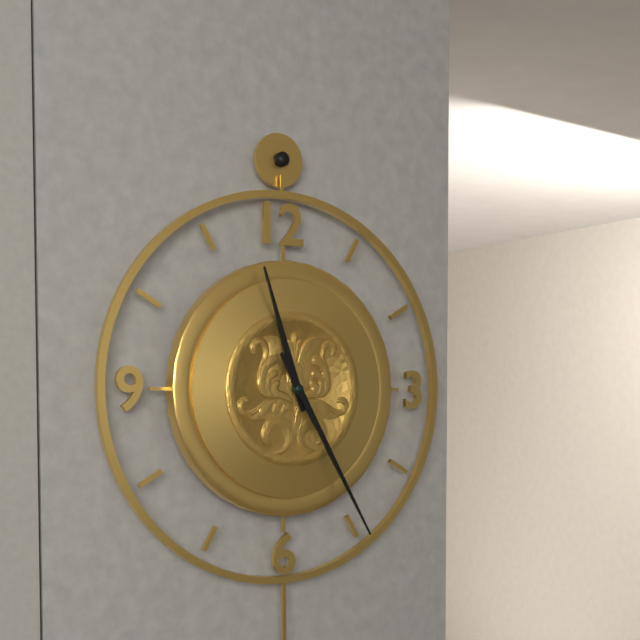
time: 11:25
